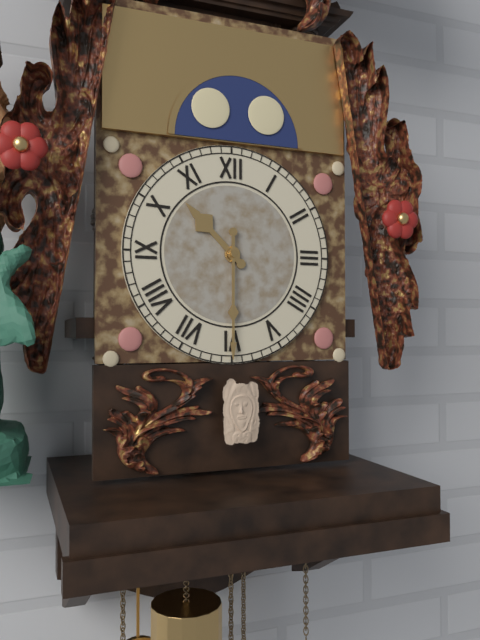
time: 10:30
